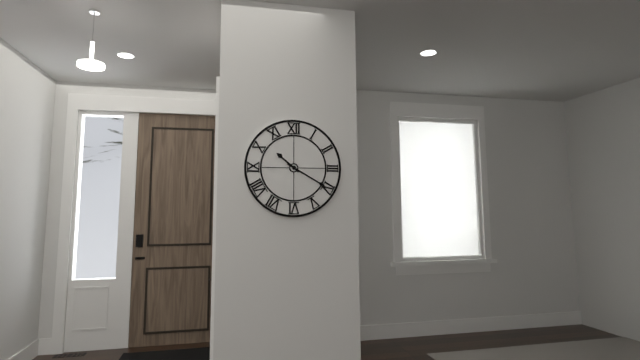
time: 10:20
